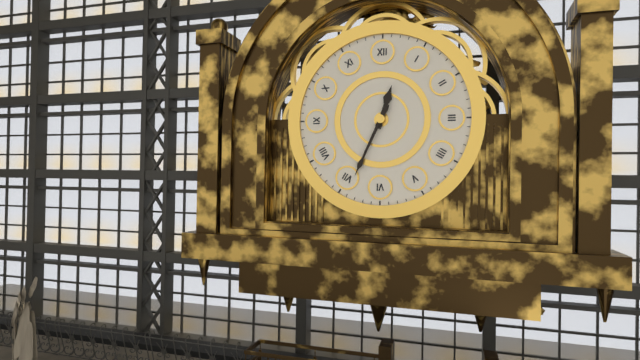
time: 12:34
